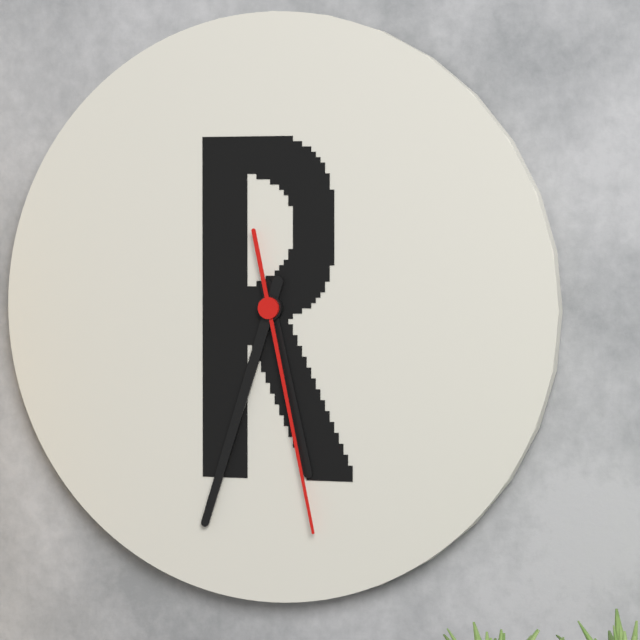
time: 5:33:28
